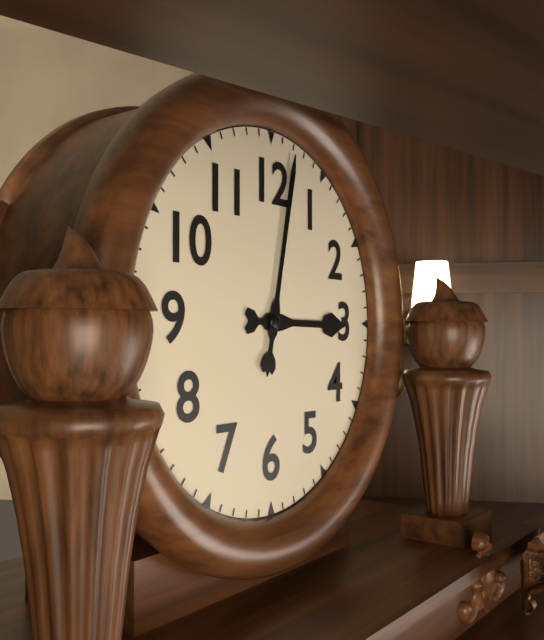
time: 3:02
